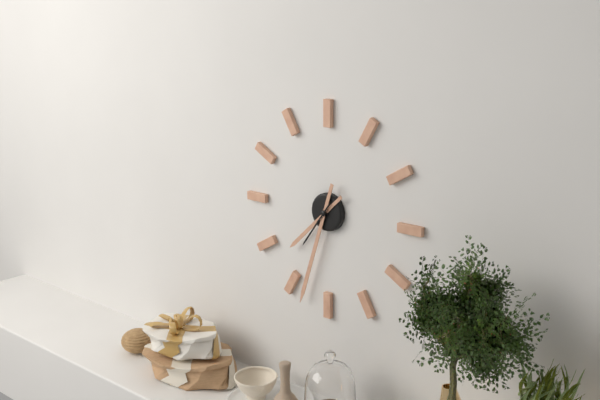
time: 7:33
